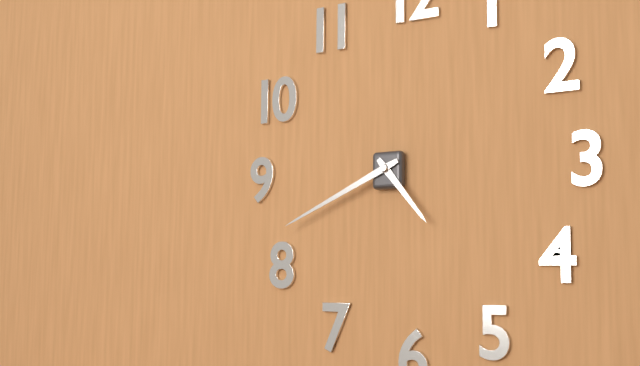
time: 4:41
